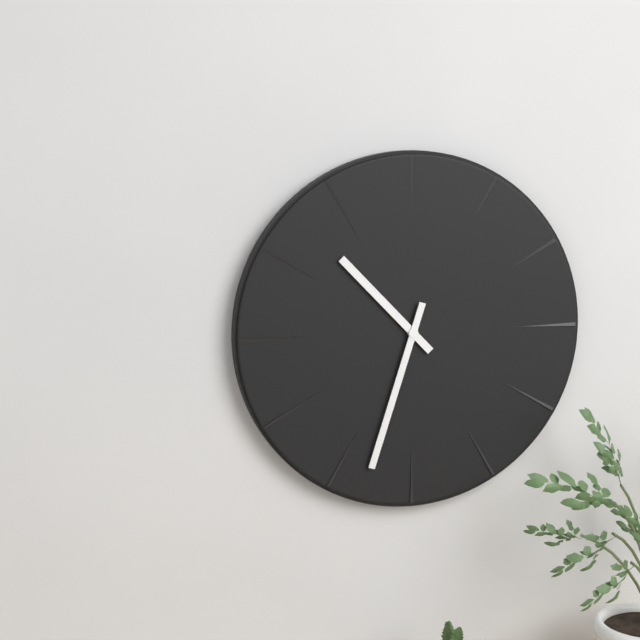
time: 10:33
